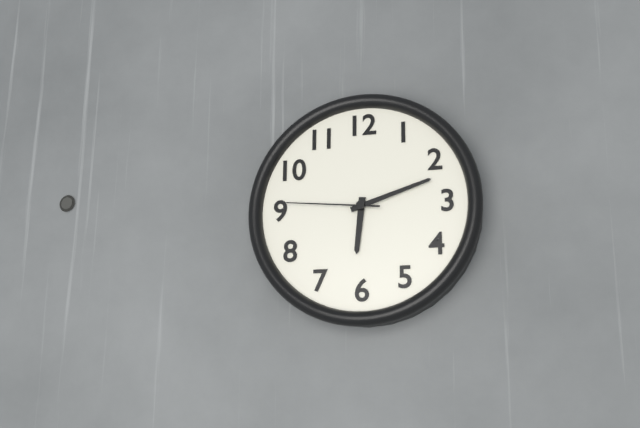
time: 6:12:46
